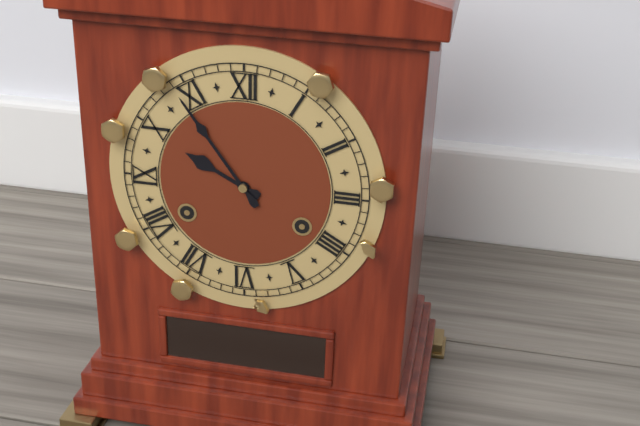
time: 9:54
